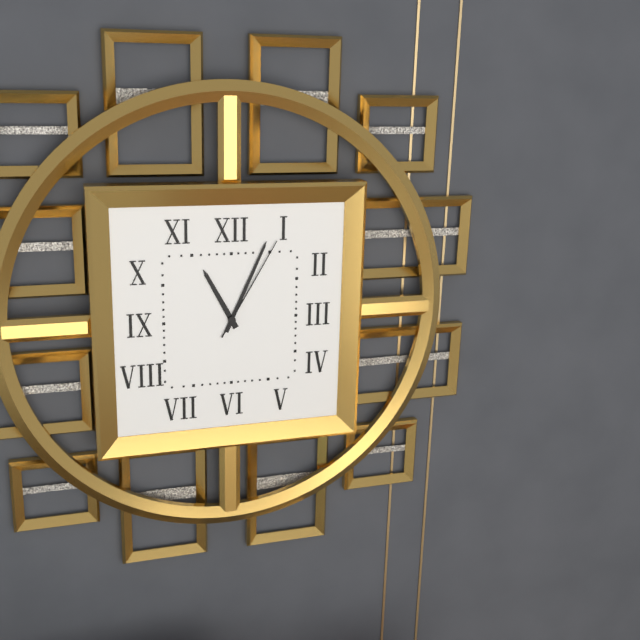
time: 11:04:05
